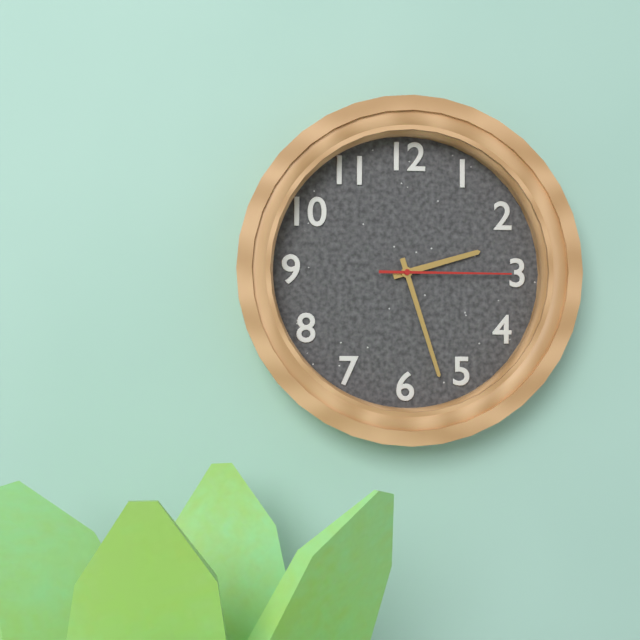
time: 2:27:15
